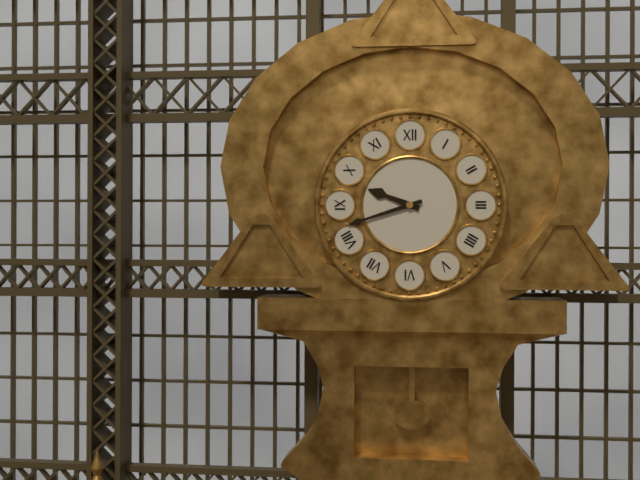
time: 9:42
